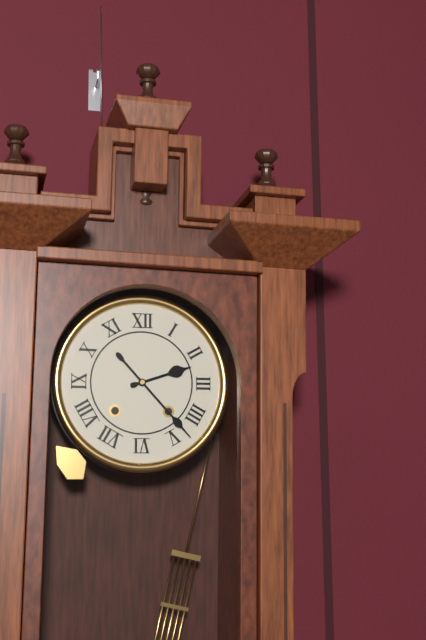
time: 2:23
